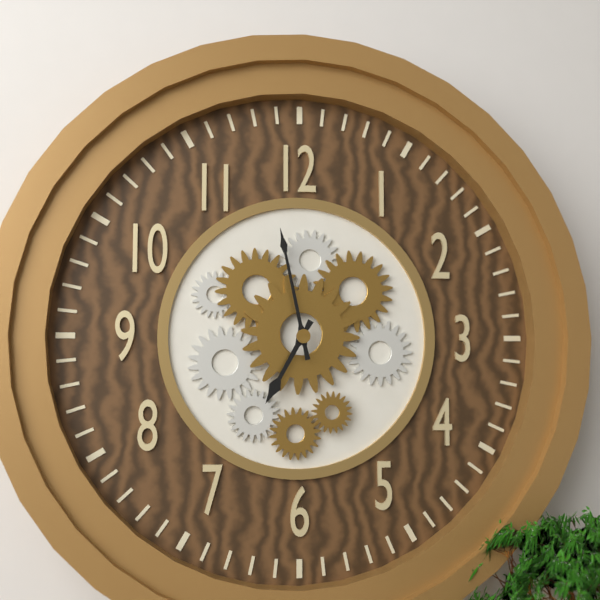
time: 6:58
